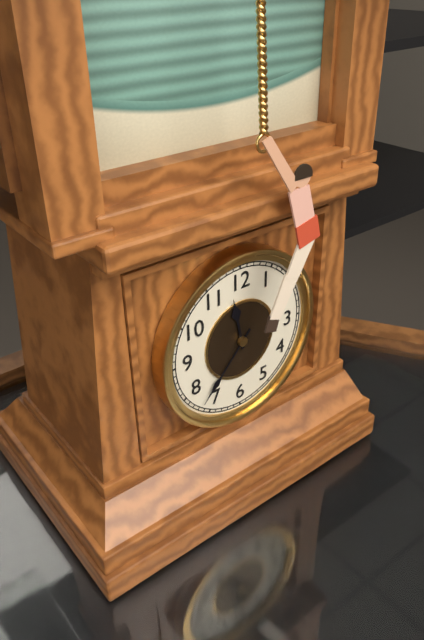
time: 11:37
